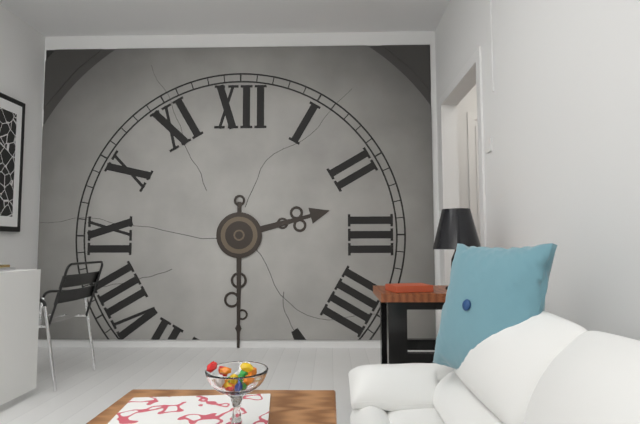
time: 2:30
